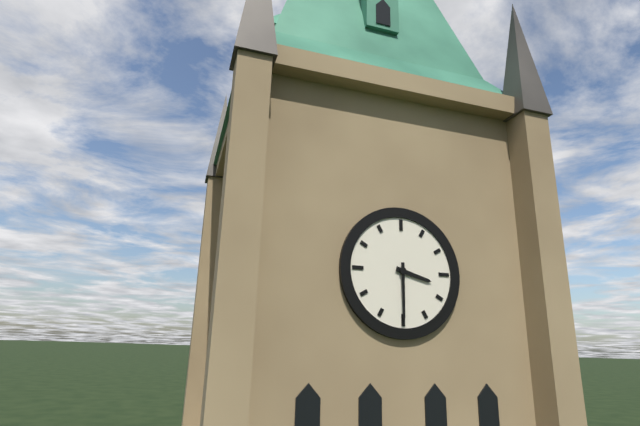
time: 3:30
